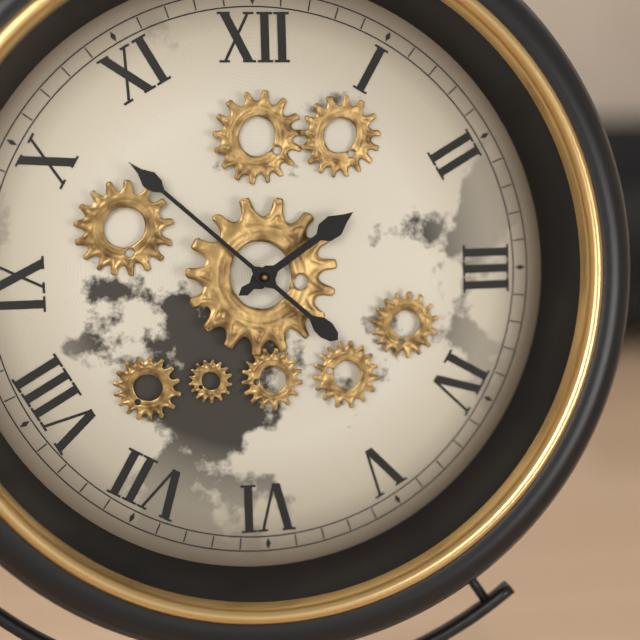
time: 1:52
